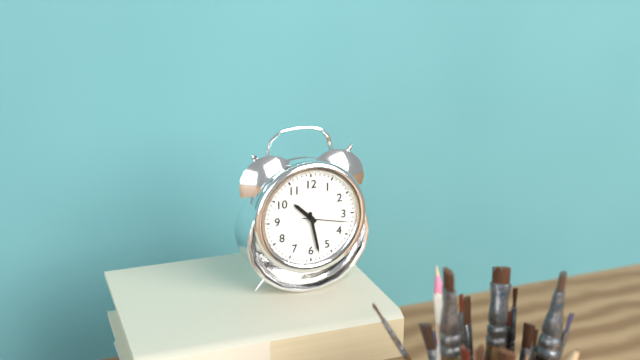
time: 10:28
